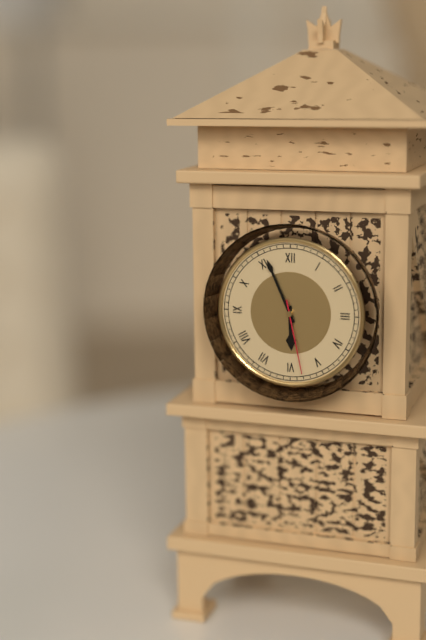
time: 5:56:28
